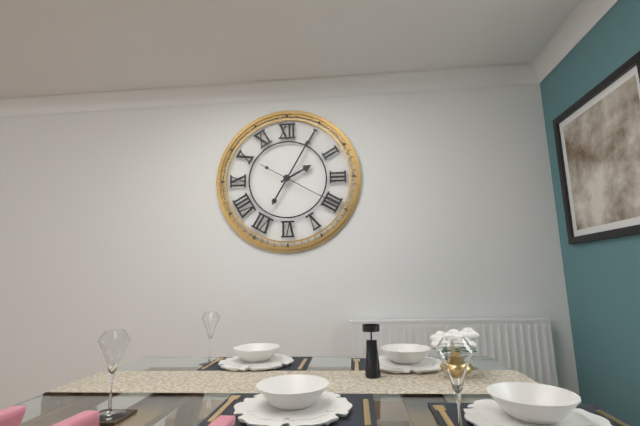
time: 2:05:20
